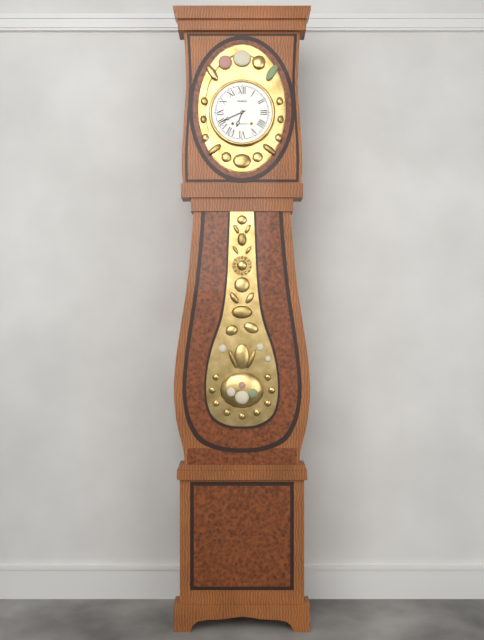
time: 6:41
